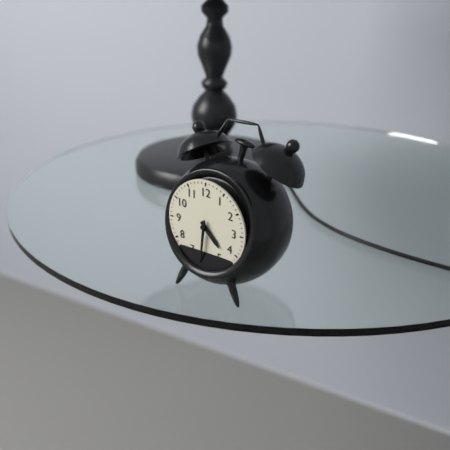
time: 4:31
